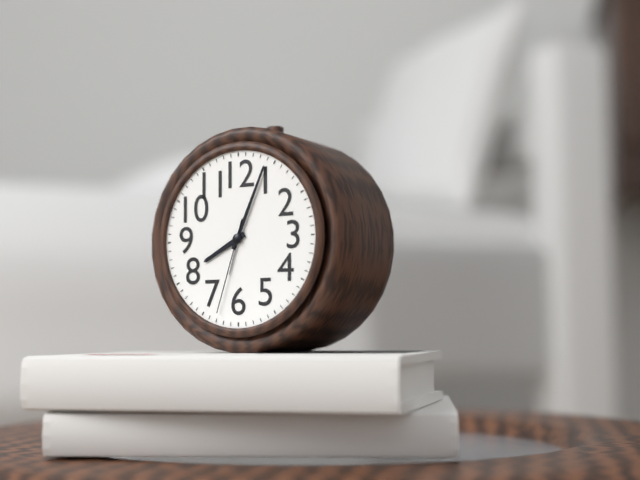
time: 8:04:33
